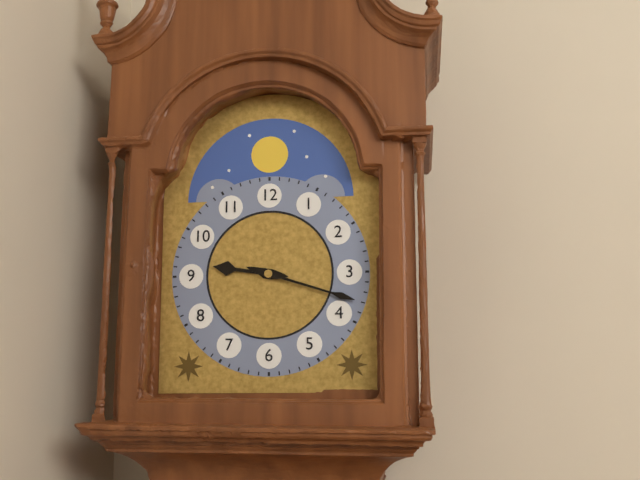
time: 9:18
